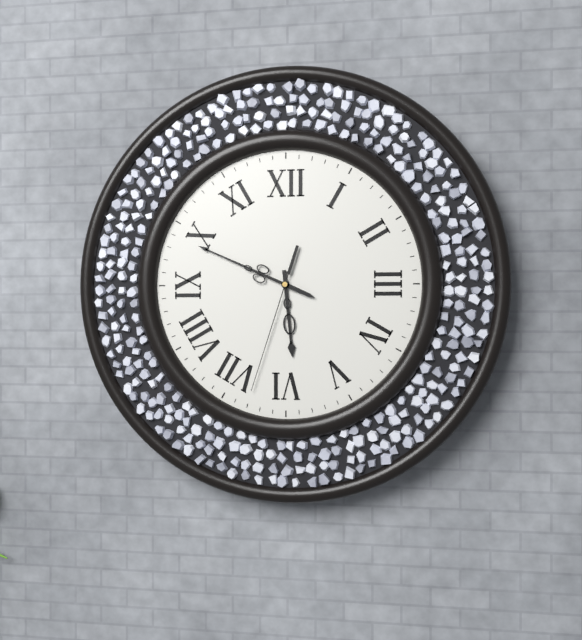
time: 5:49:33
